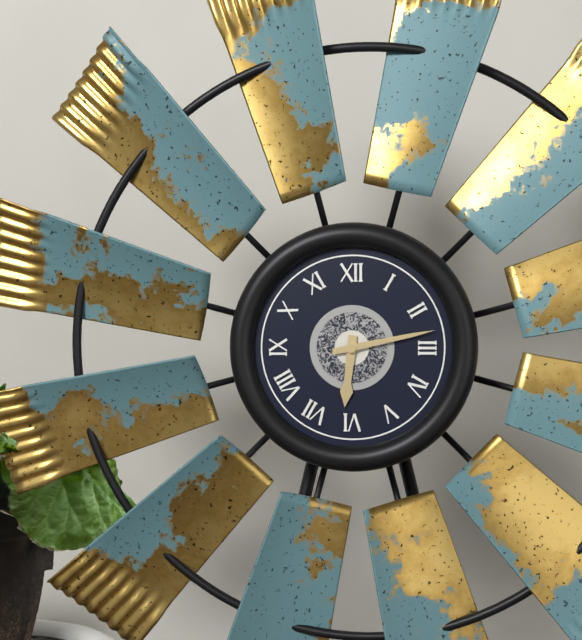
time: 6:13
